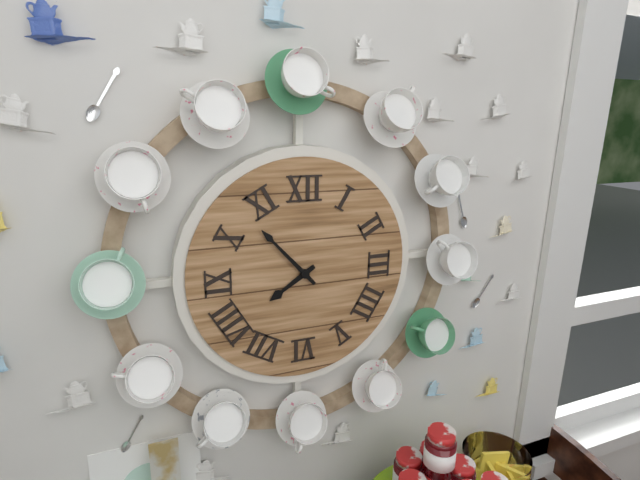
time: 7:53
